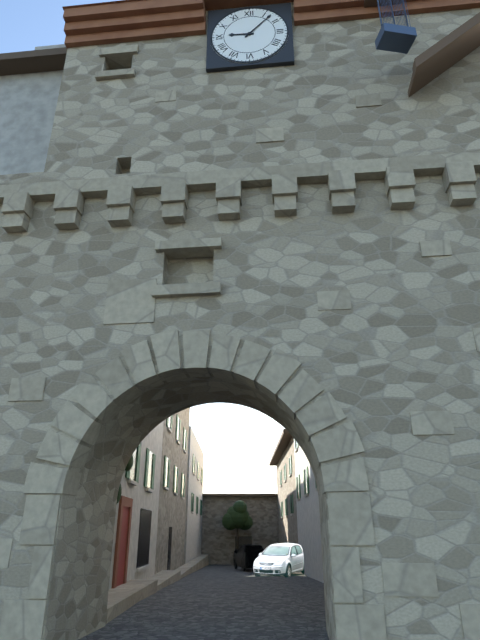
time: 9:07
